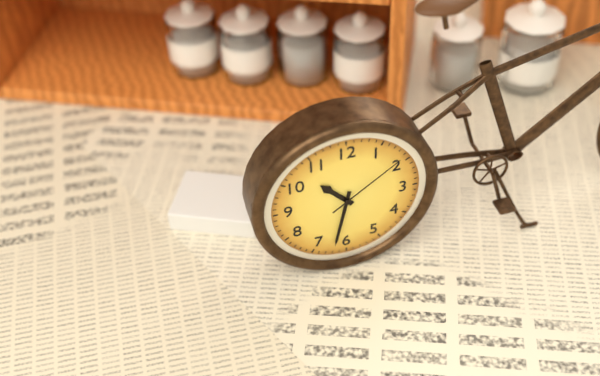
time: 10:32:09
